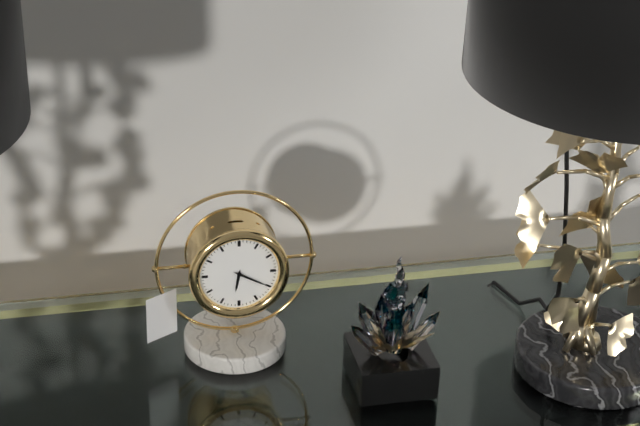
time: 6:20
